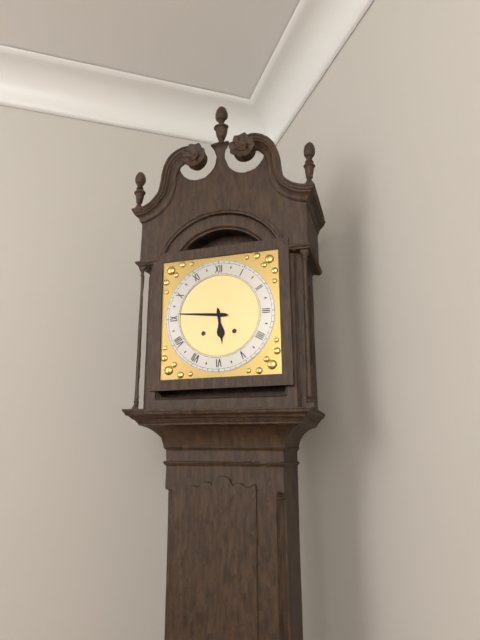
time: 5:46
